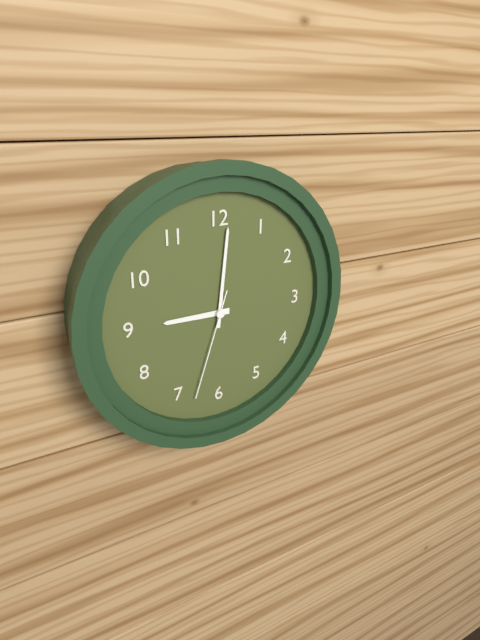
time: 9:01:33
